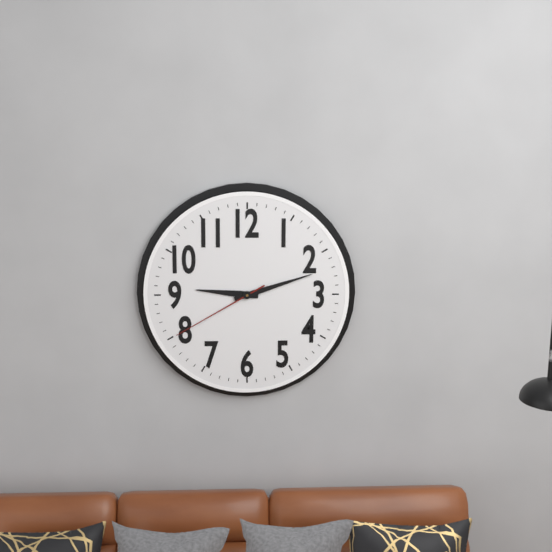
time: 9:12:40
